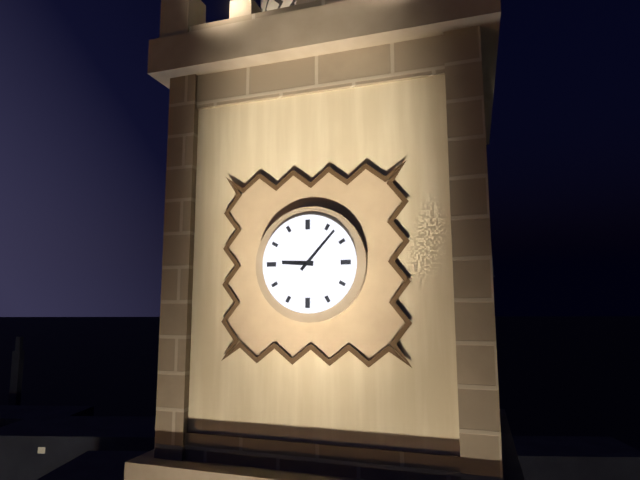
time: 9:07
